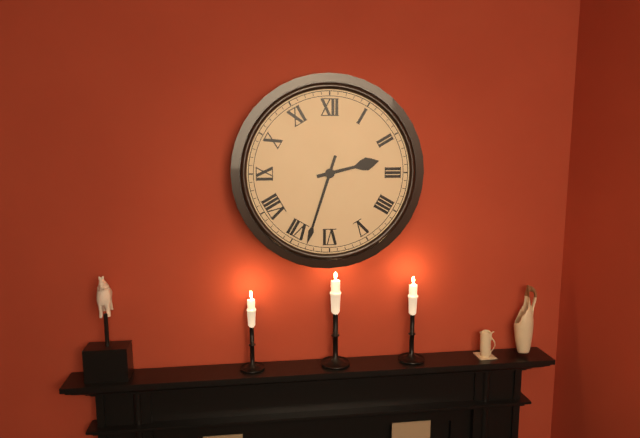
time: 2:33
